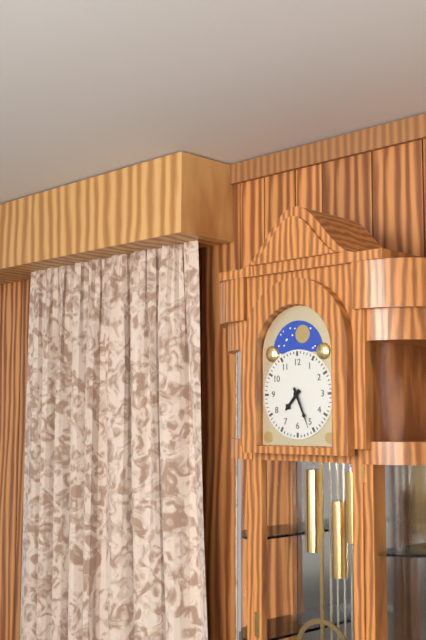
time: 7:26
